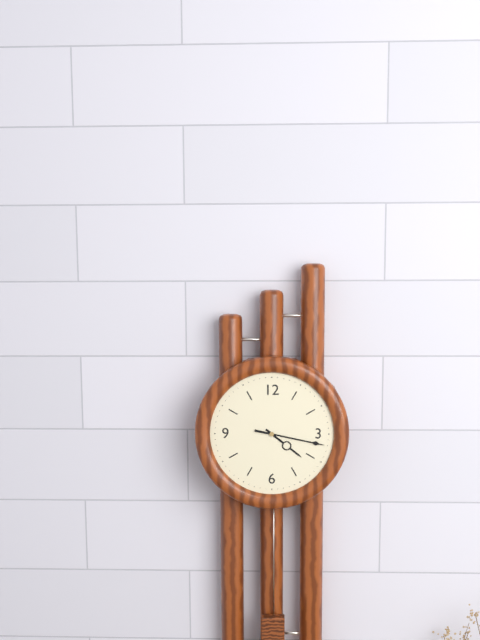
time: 4:17:17
